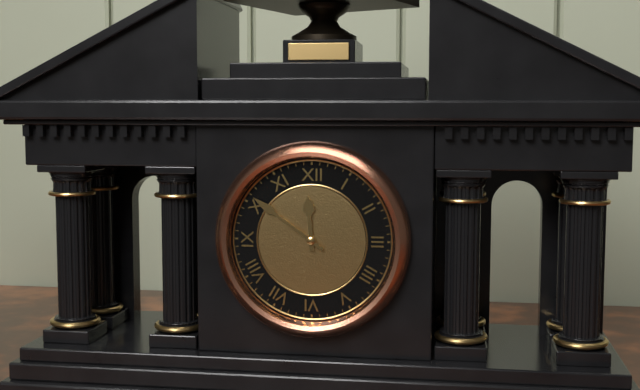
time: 11:51
